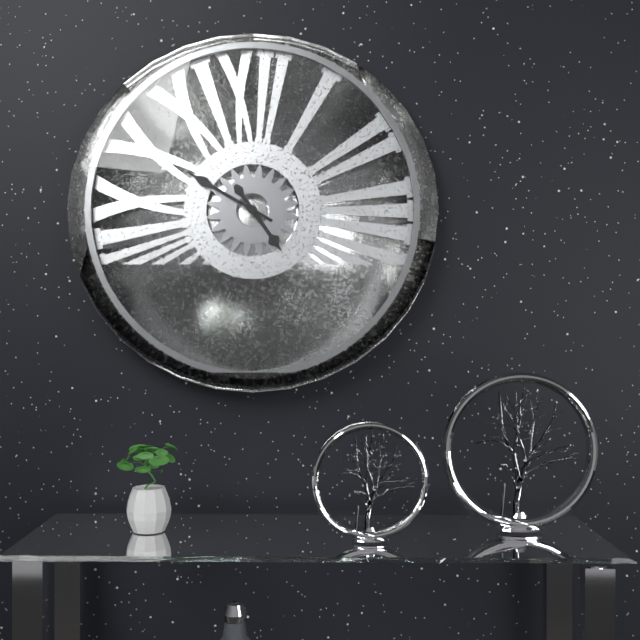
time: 4:50
